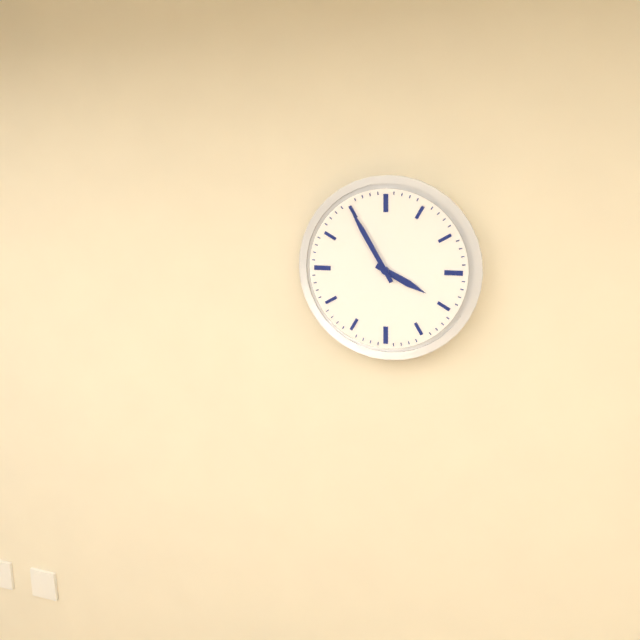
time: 3:55
